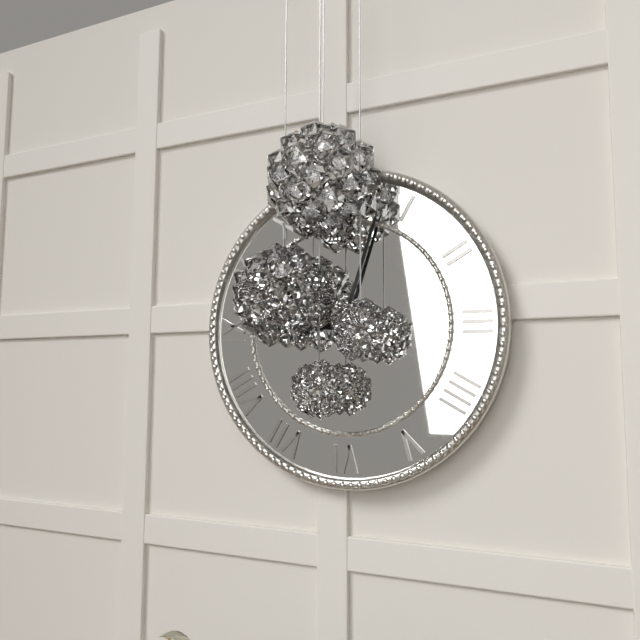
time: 9:03
